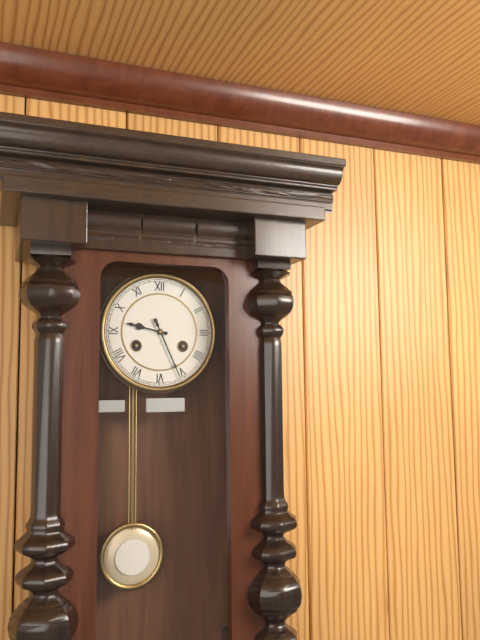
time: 9:26
